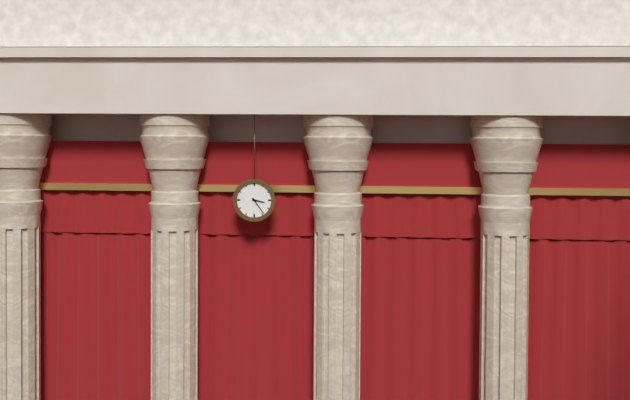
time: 3:24
